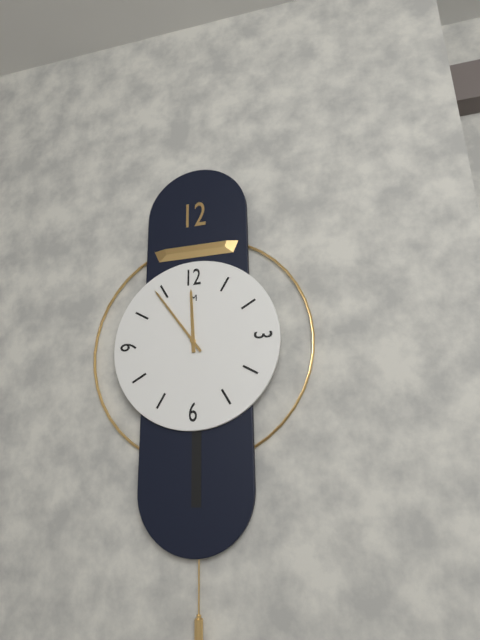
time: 11:54
